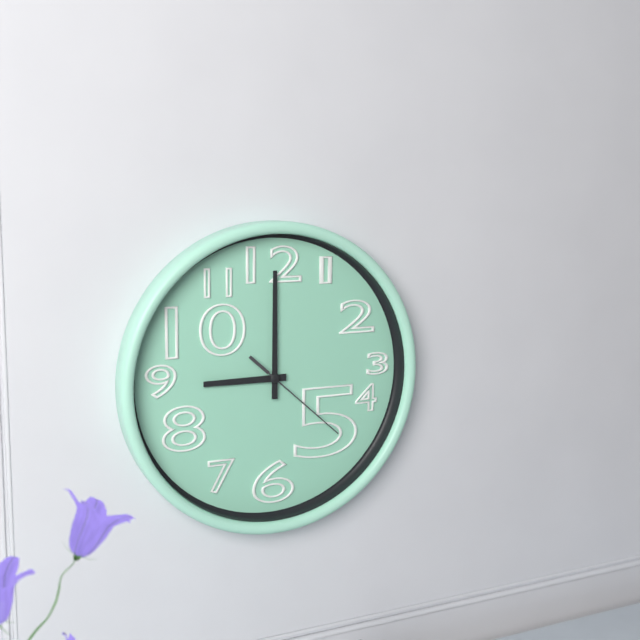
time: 9:00:22
